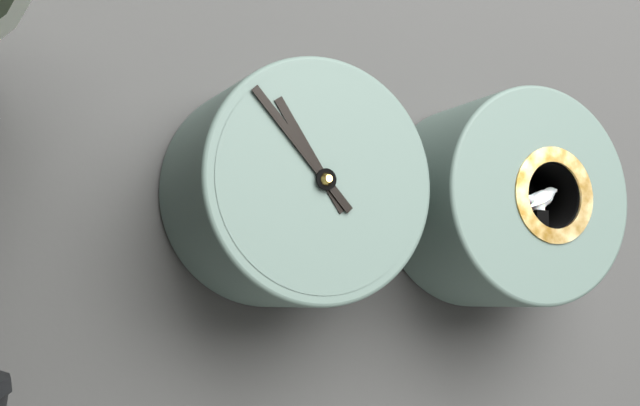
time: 10:53
